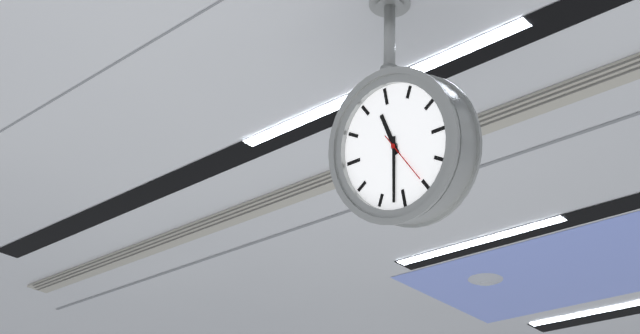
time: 11:32:25
